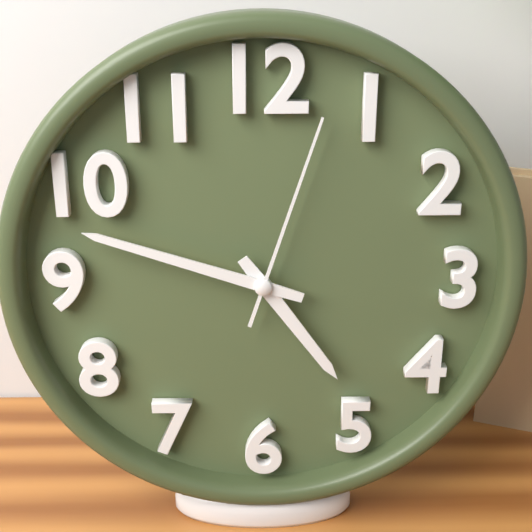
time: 4:48:03
